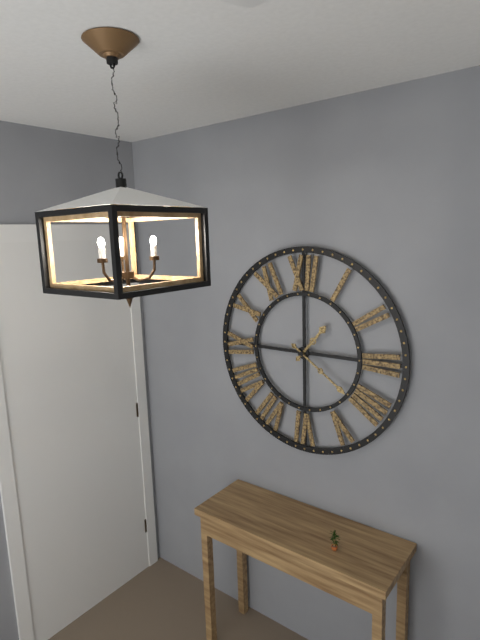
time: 1:21
